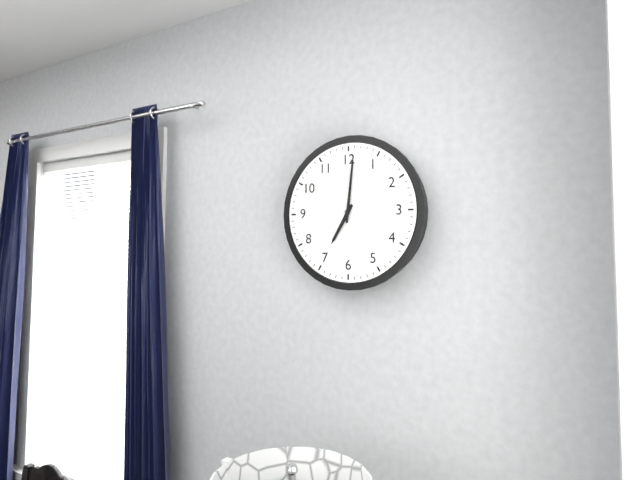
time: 7:01
